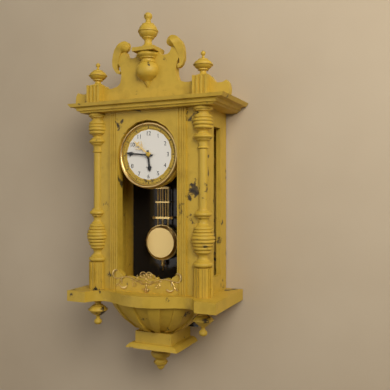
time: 5:46
